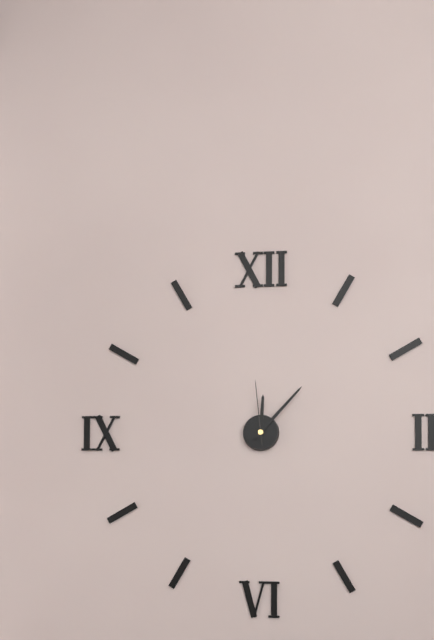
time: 12:07:59
